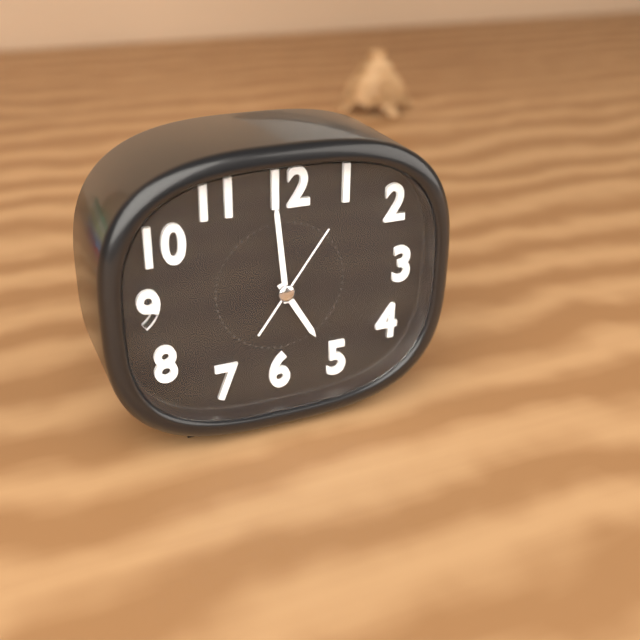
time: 4:59:06
